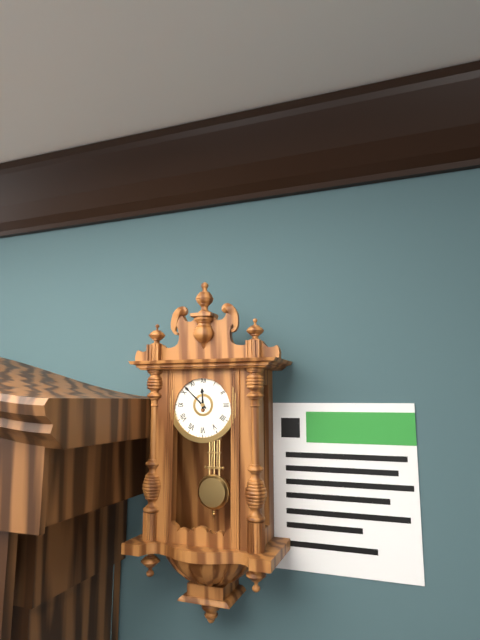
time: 11:52
